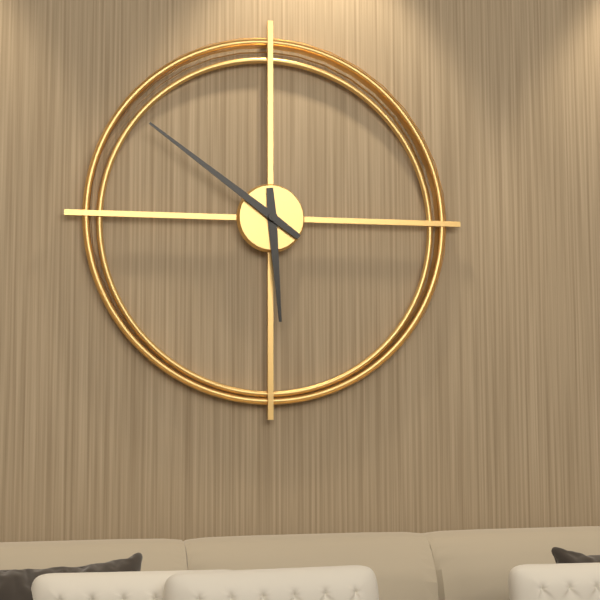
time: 5:51
